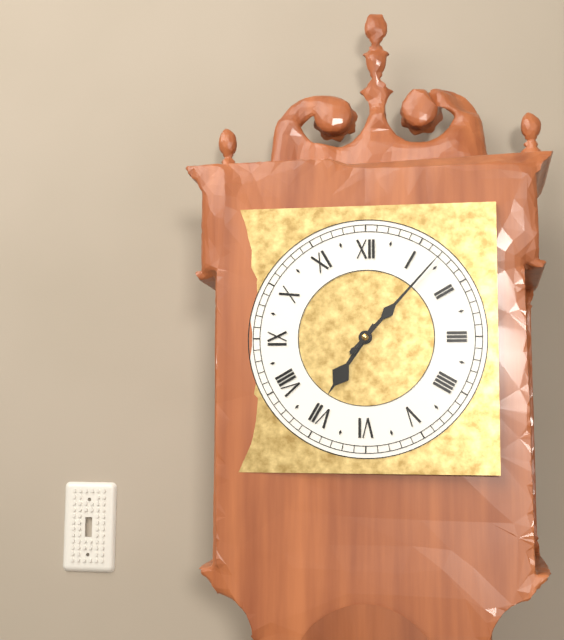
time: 7:07
